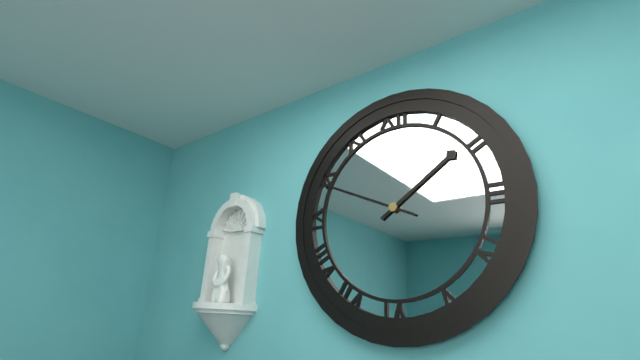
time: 1:49
